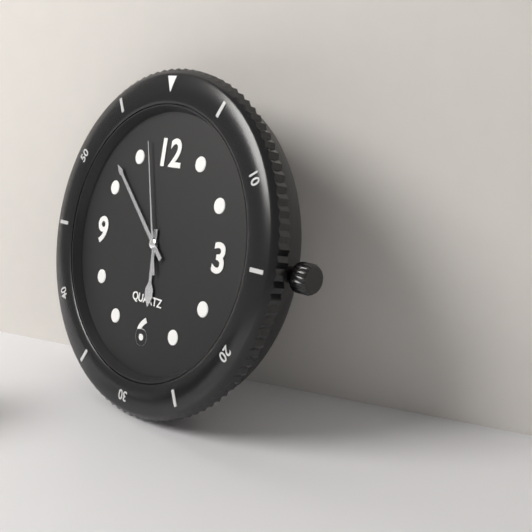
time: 5:52:57
